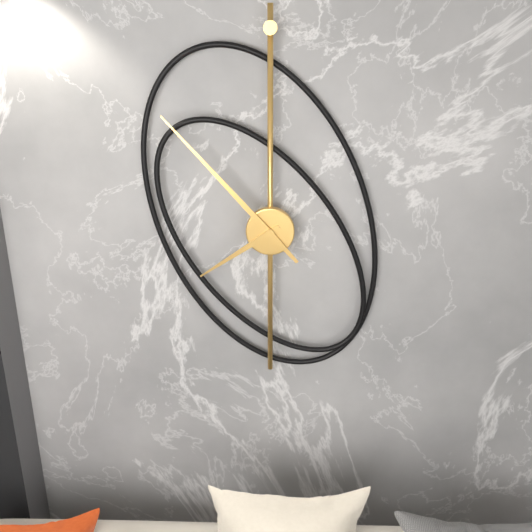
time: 7:53
